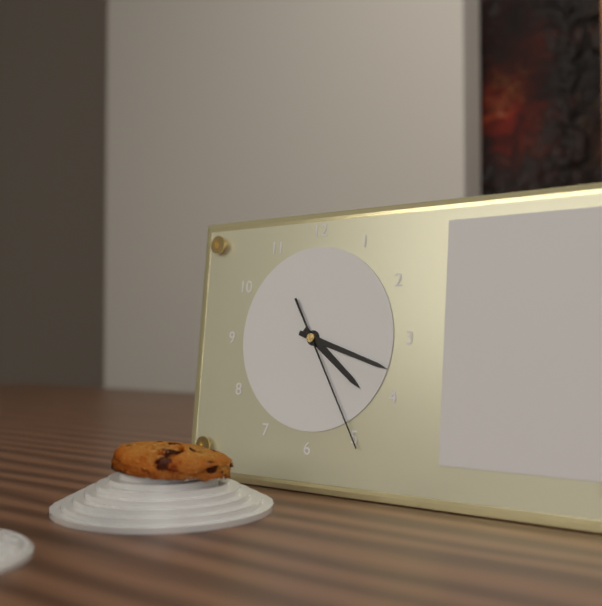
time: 4:18:25
